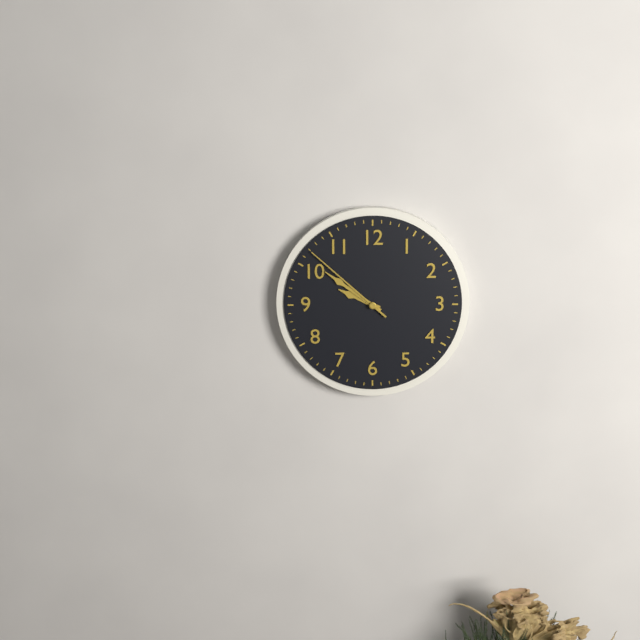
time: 9:51:52
